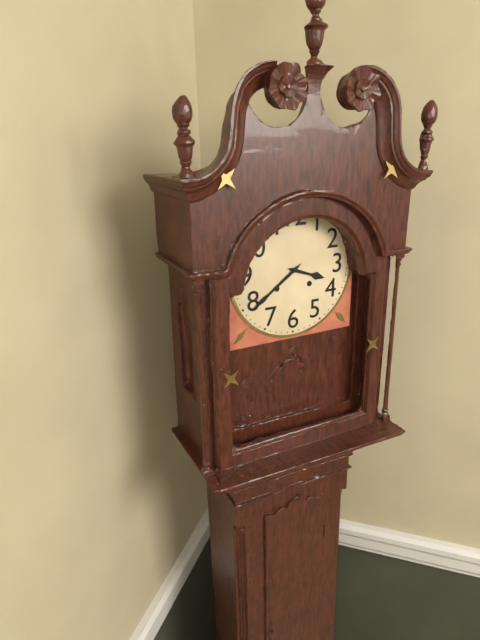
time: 3:39
